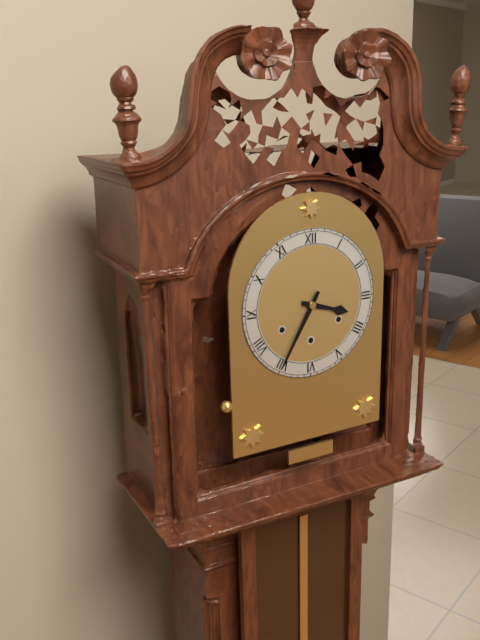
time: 3:35
